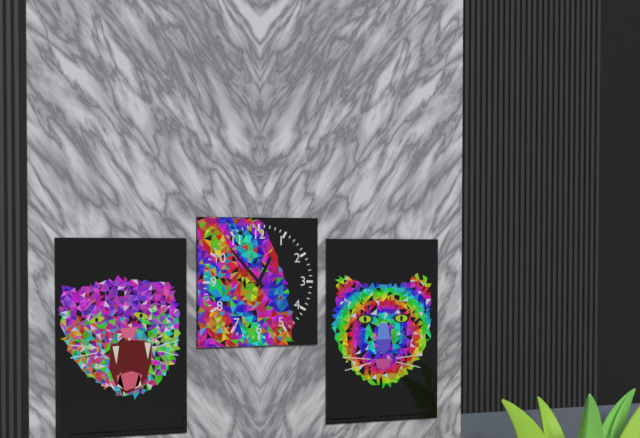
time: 12:53
